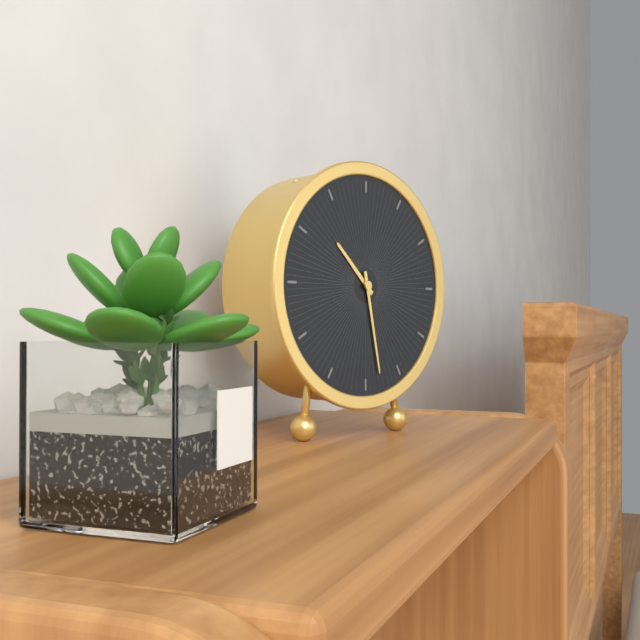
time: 10:28
